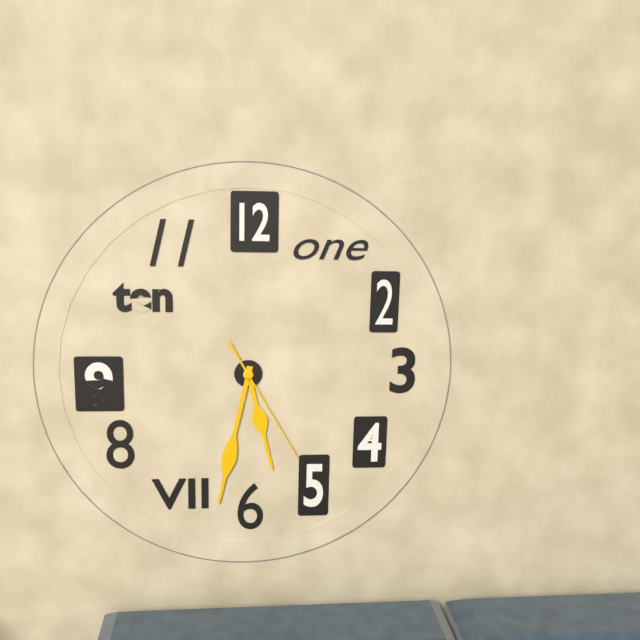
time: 5:32:25
